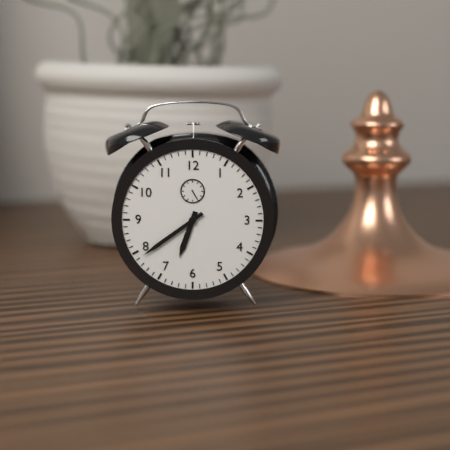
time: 6:39
